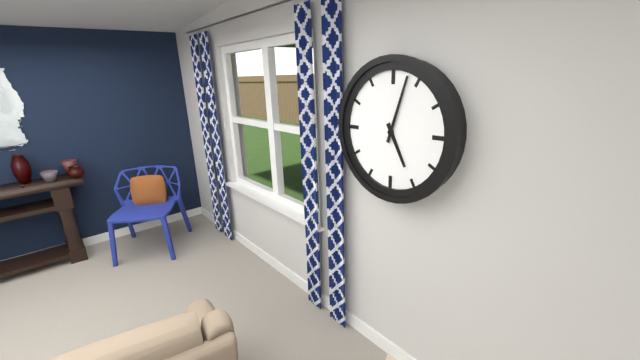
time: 5:03
